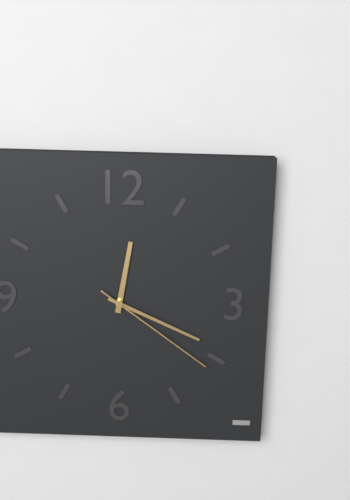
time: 12:19:21
